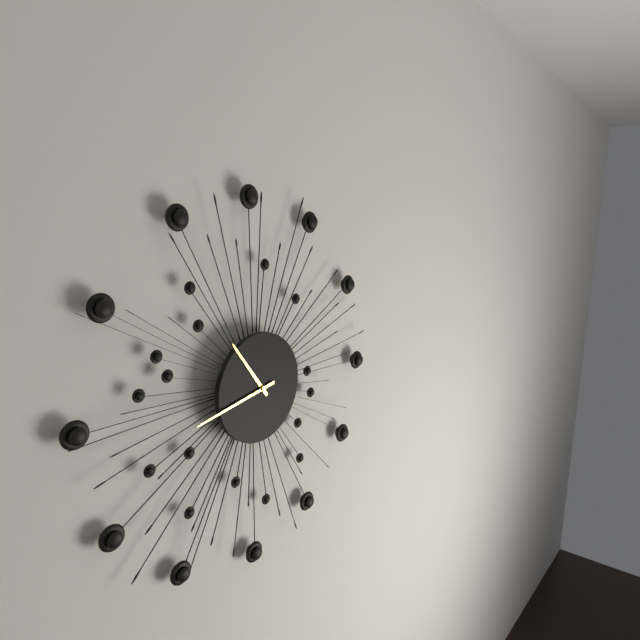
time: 10:43
